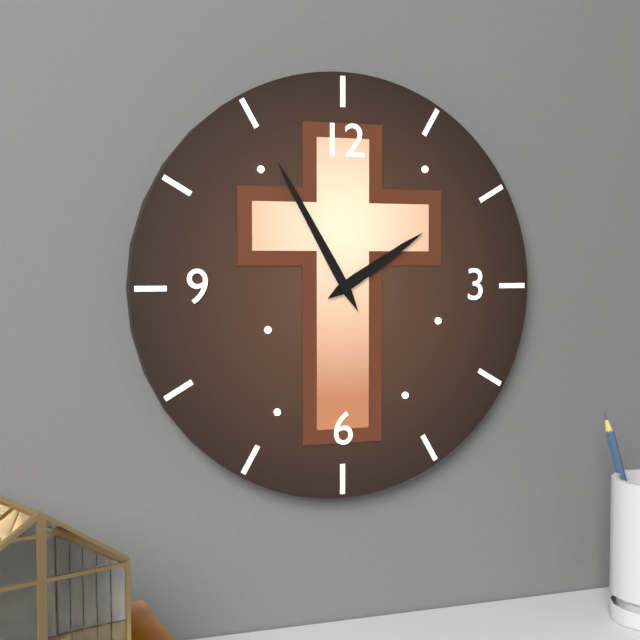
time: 1:55
